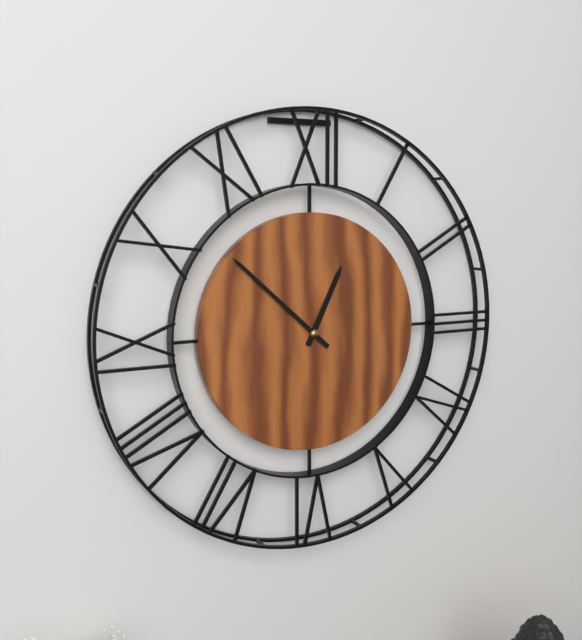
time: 12:52
